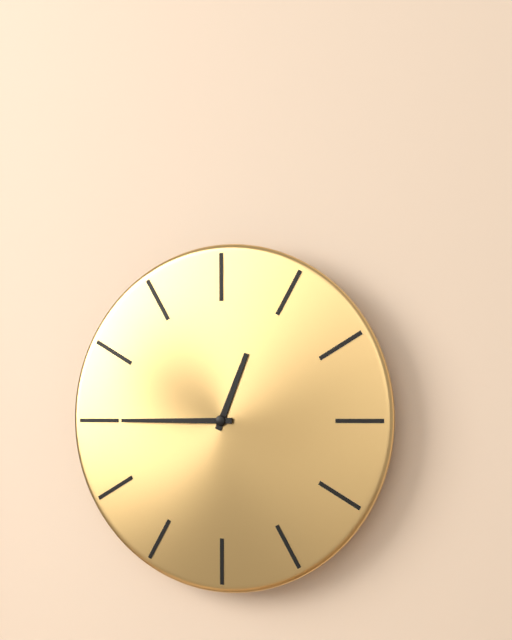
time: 12:45
